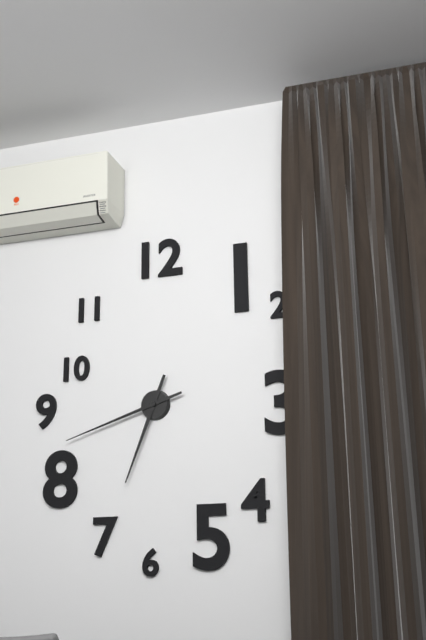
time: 6:42
